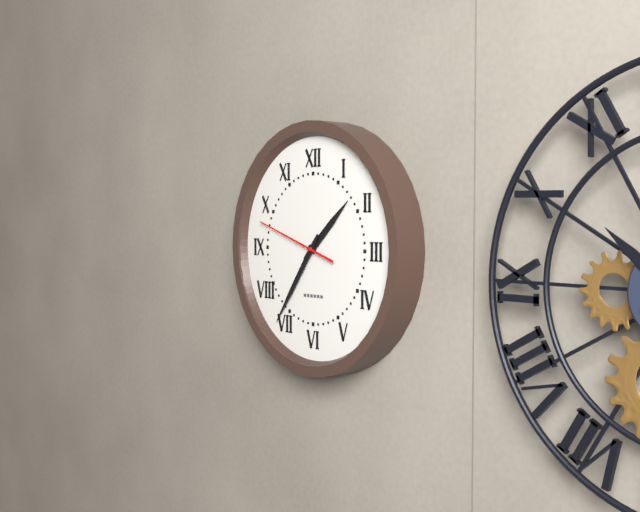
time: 1:36:48
